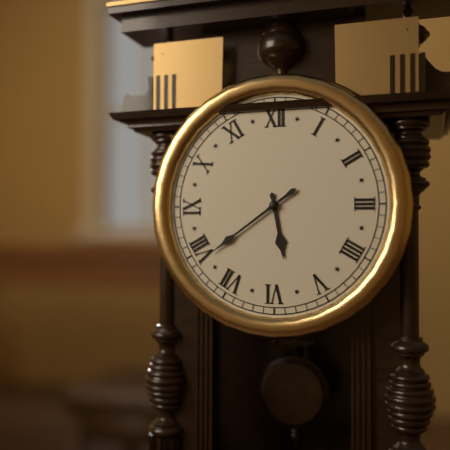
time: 5:39
